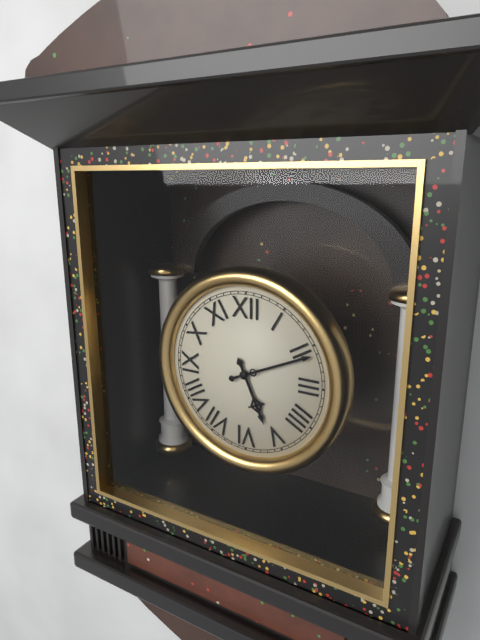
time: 5:11
